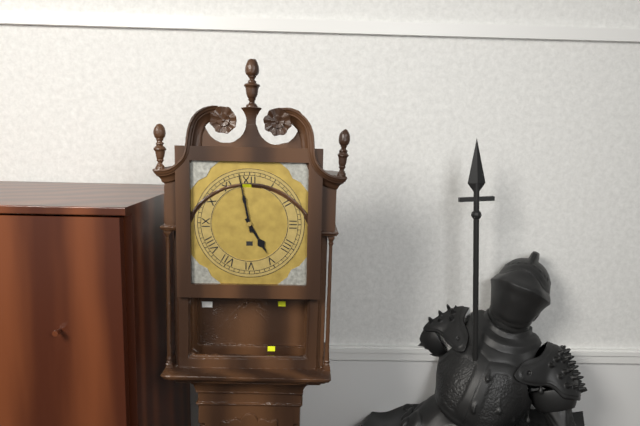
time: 4:58
